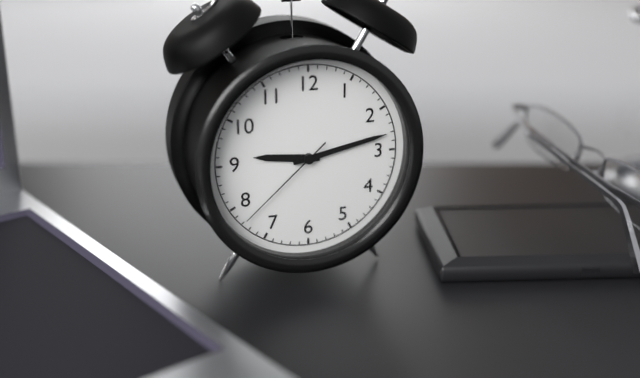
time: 9:13:38
